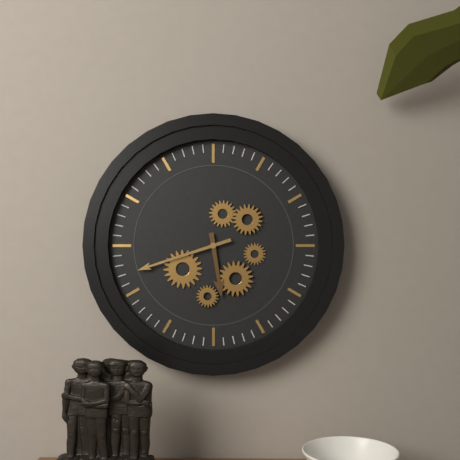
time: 5:42
